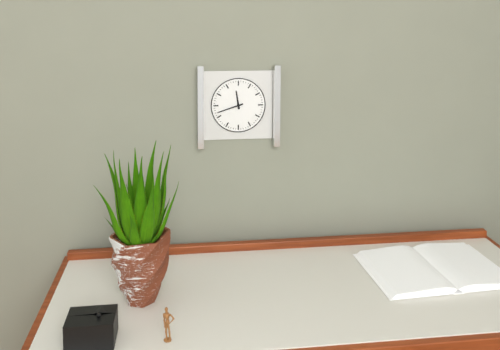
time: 11:42
